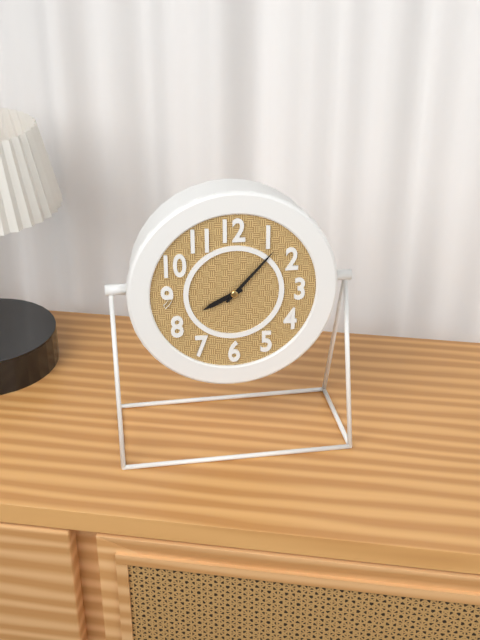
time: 8:07
